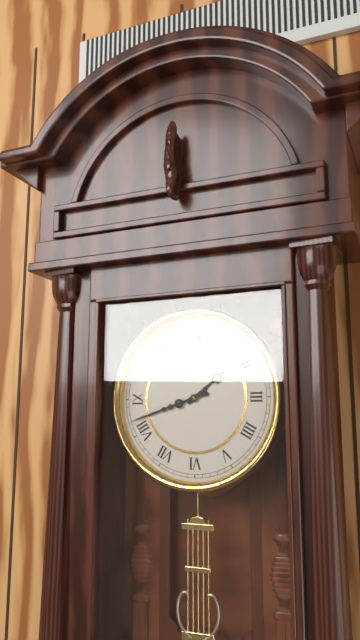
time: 1:42
